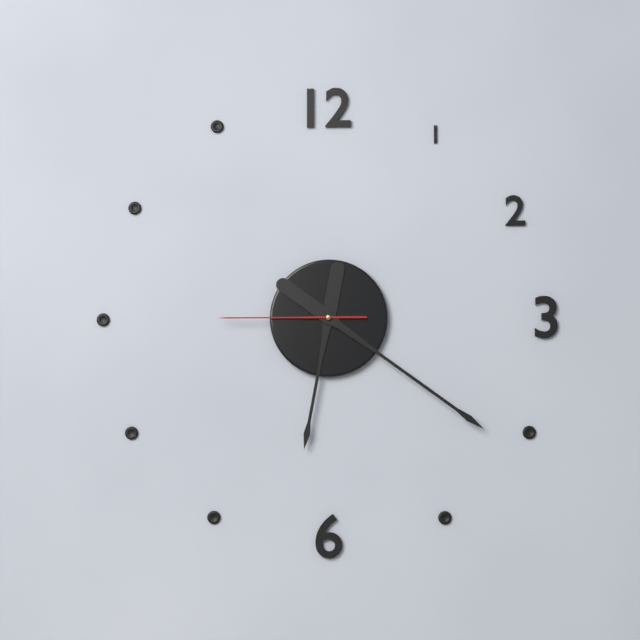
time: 6:21:45
